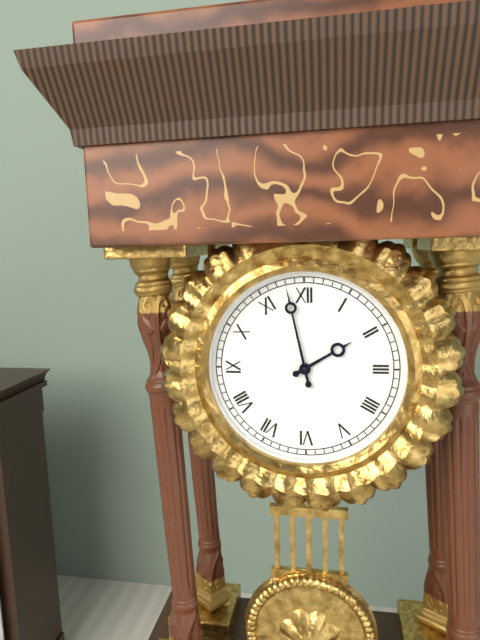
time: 1:58
